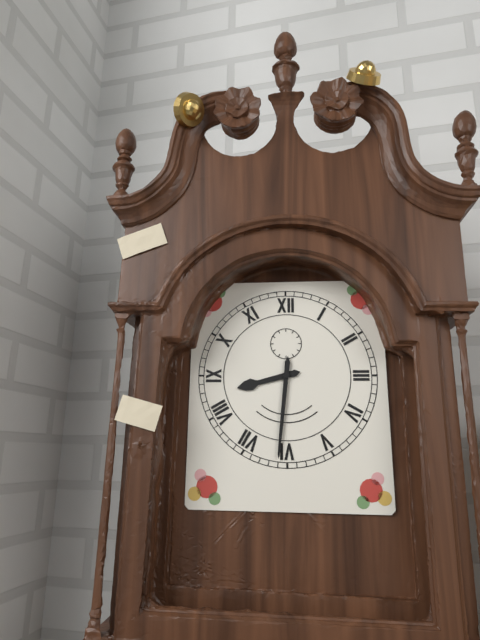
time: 8:31
